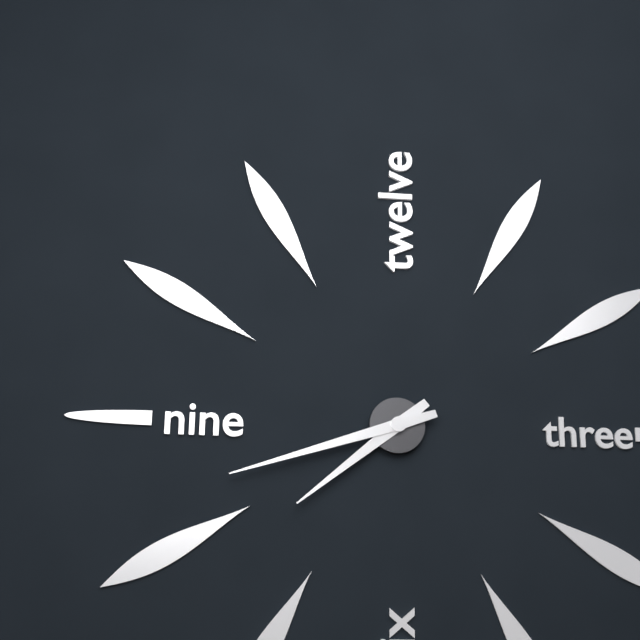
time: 7:42
